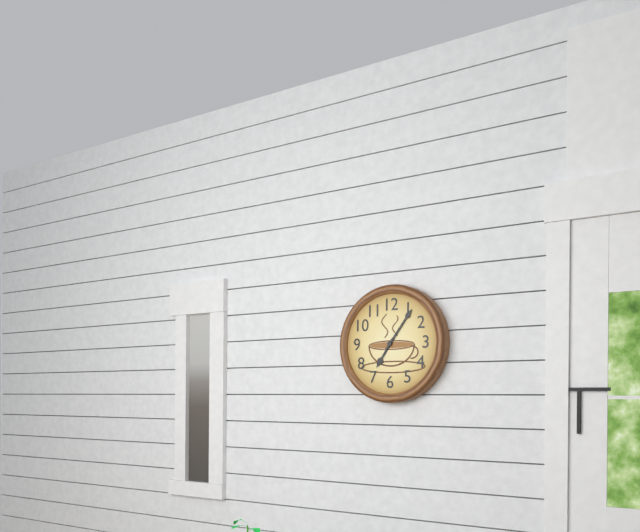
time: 7:06
